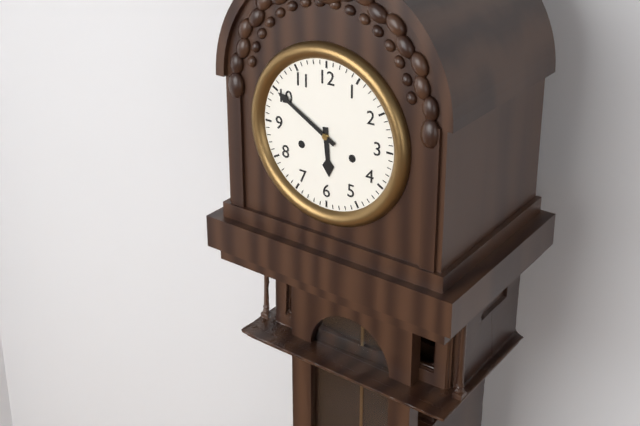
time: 5:50
